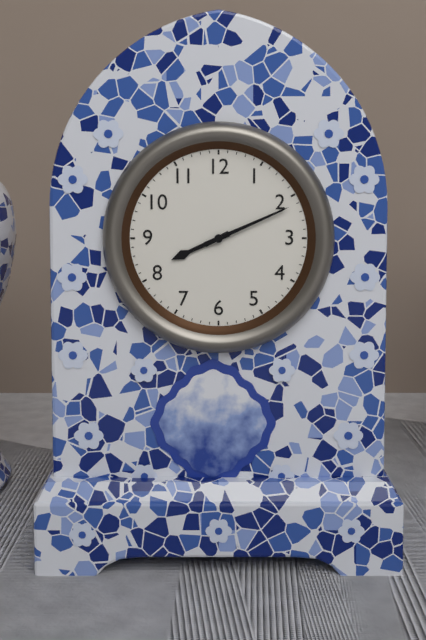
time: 8:11
